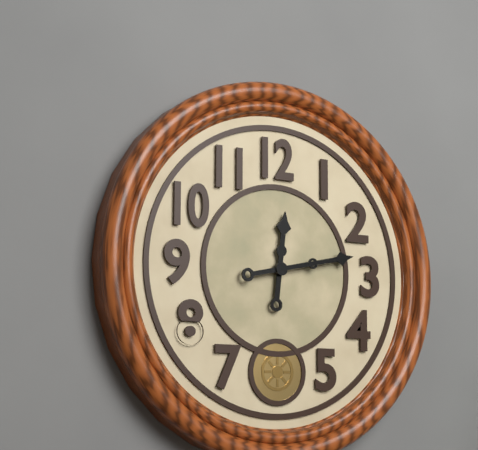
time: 12:13
